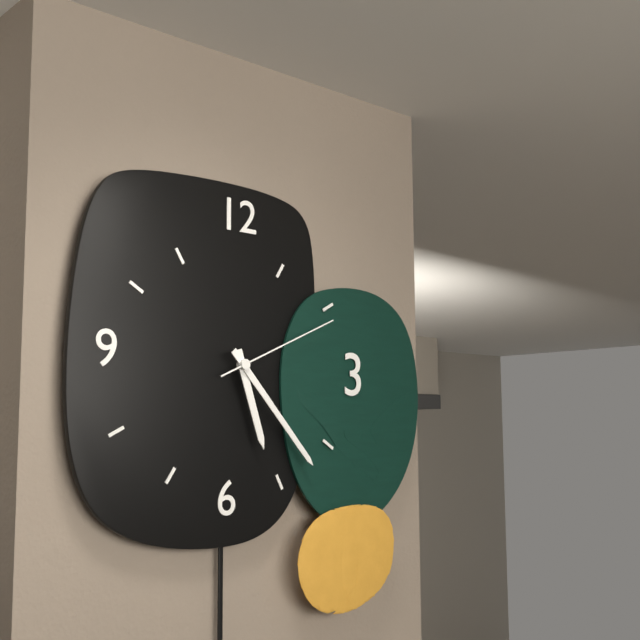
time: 5:23:11
